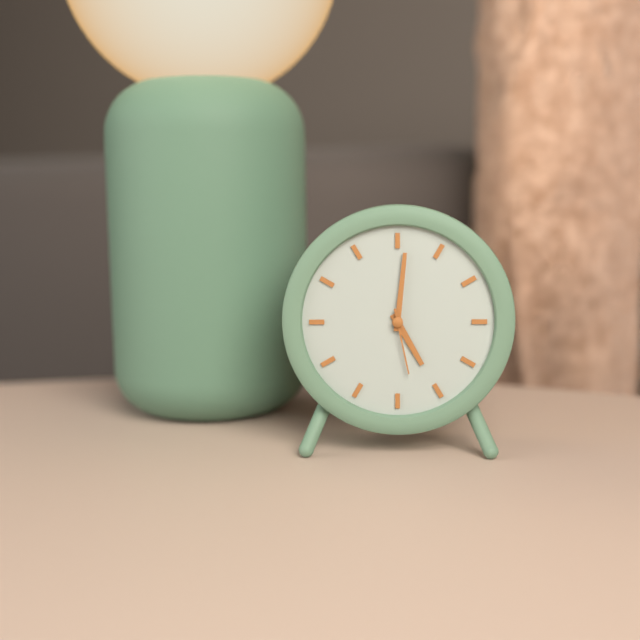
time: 5:01:28
